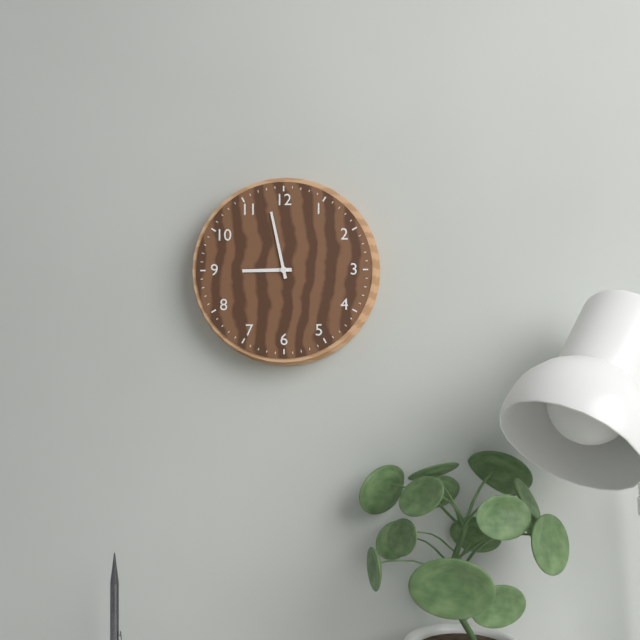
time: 8:58
